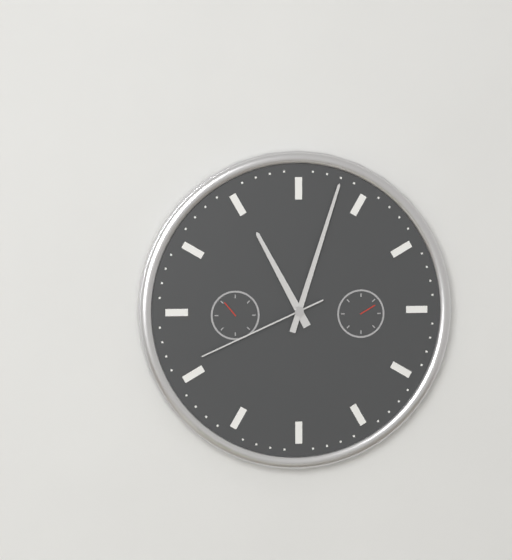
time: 11:03:41
